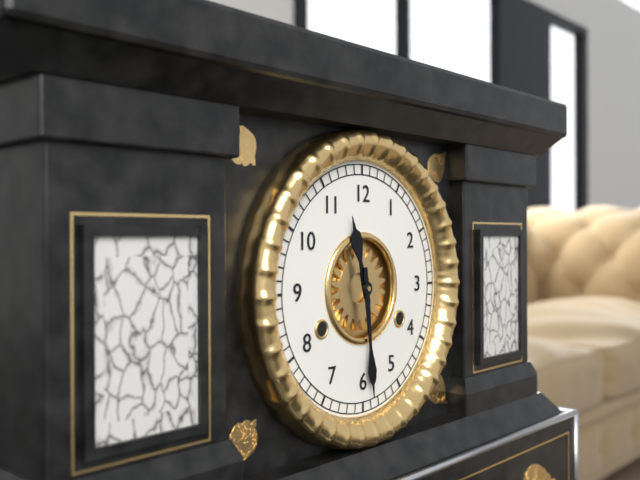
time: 11:29
